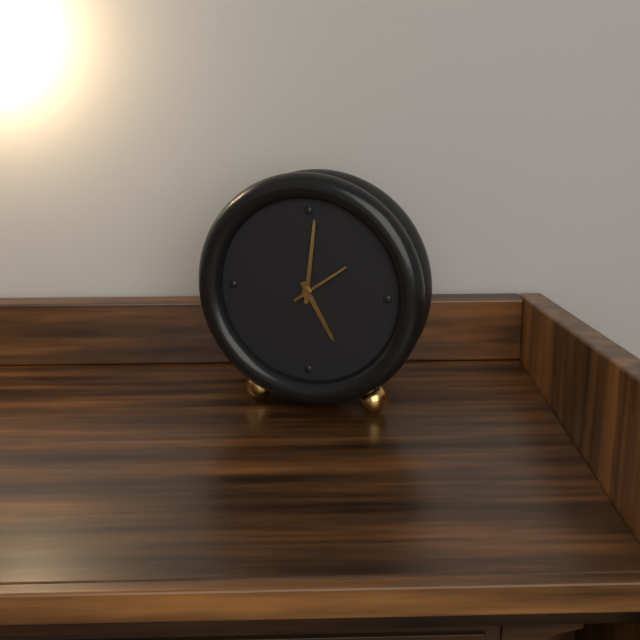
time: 5:01:09
